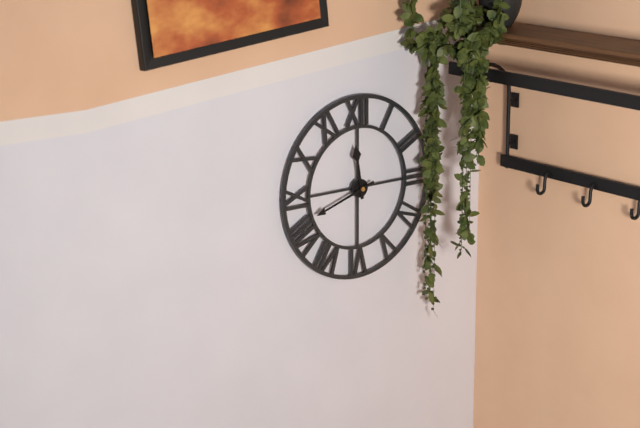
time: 11:42
